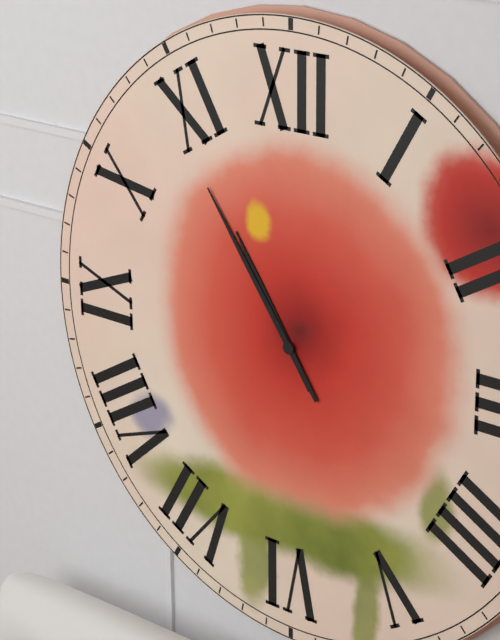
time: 10:54
